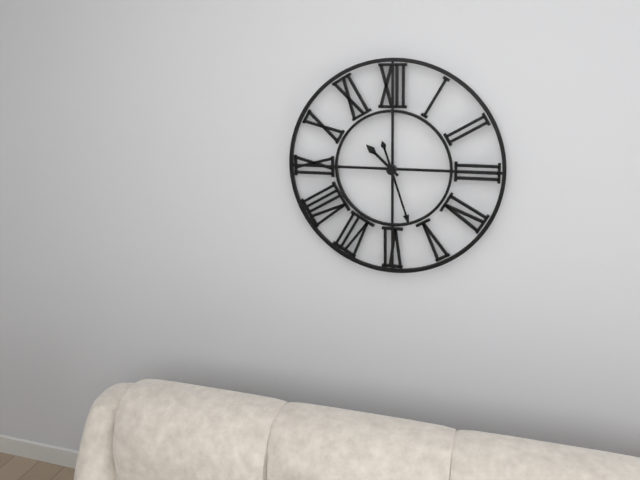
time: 10:27
